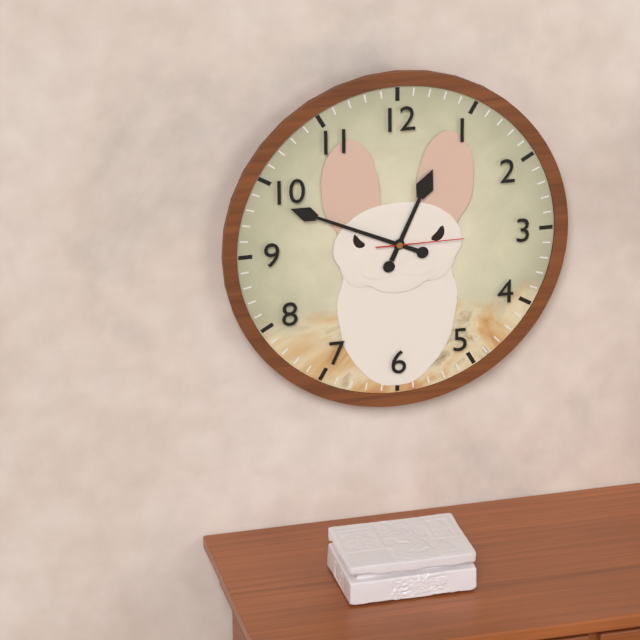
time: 12:49:15
